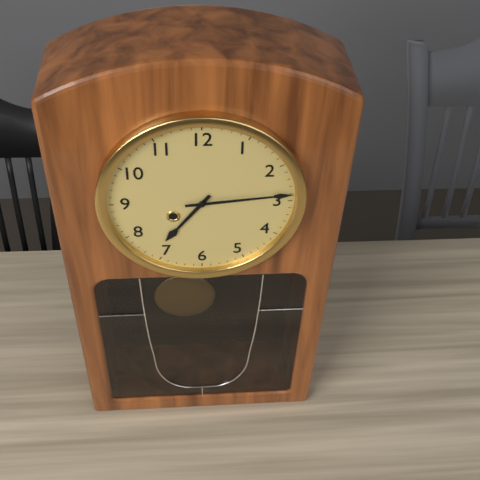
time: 7:14
